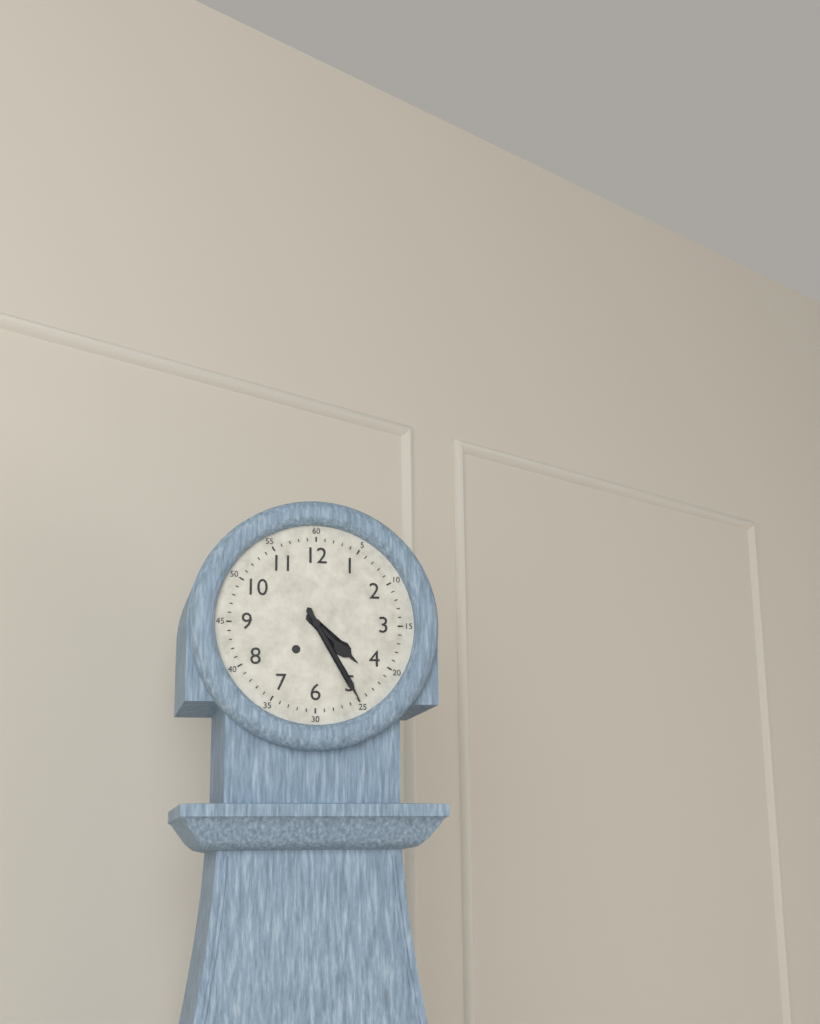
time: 4:25
